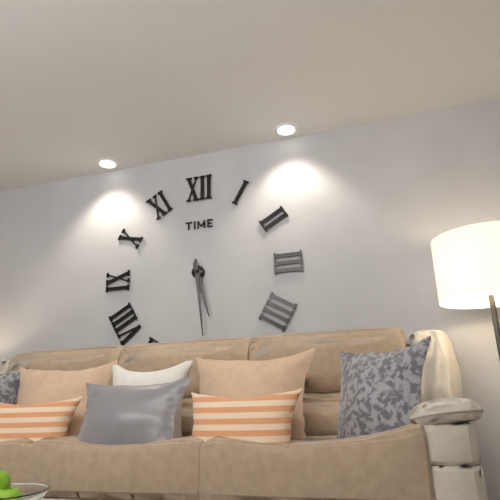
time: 5:29
